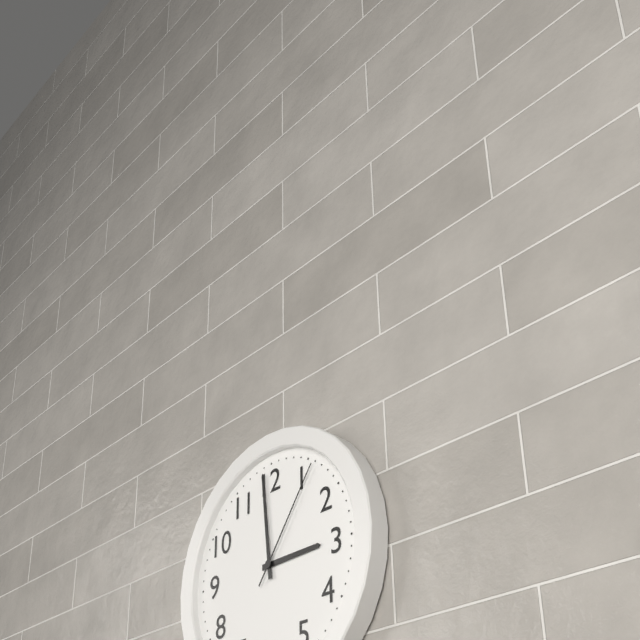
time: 2:59:06
